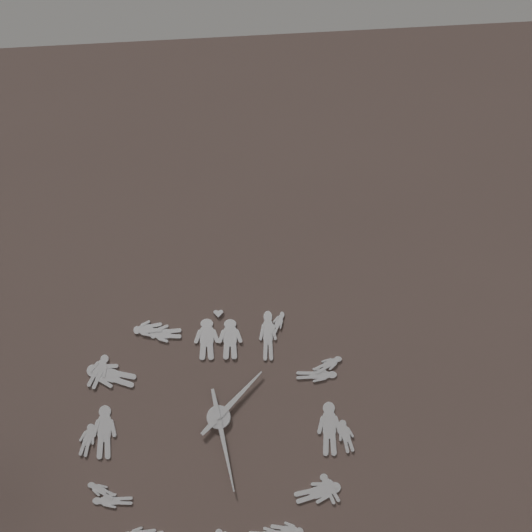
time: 1:28
